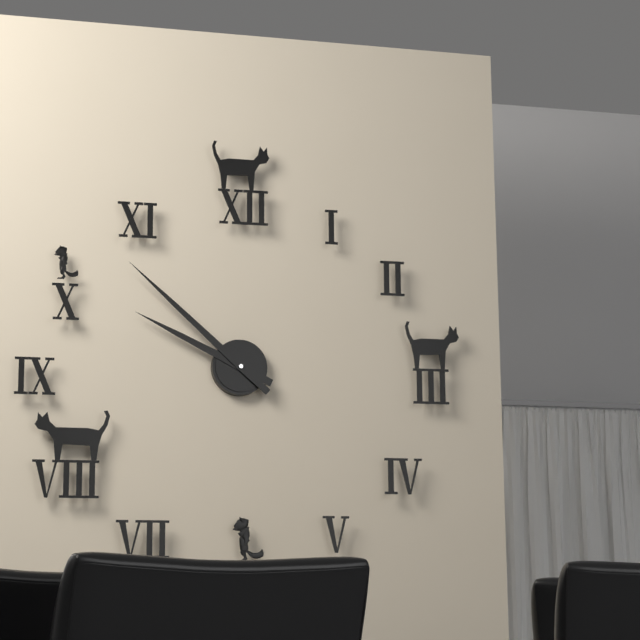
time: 9:52
